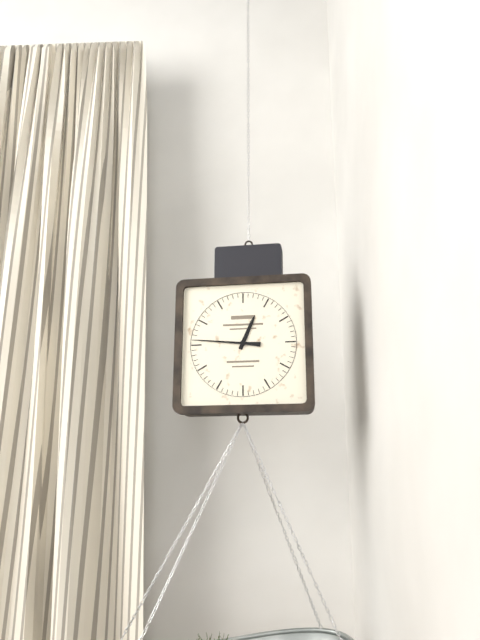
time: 12:46
